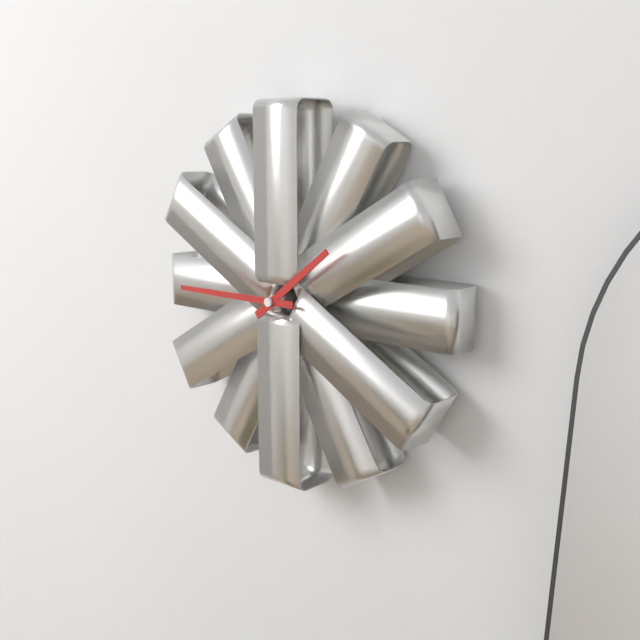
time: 1:45
